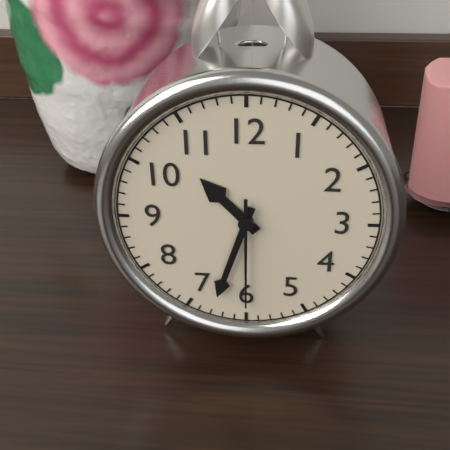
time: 10:33:30
